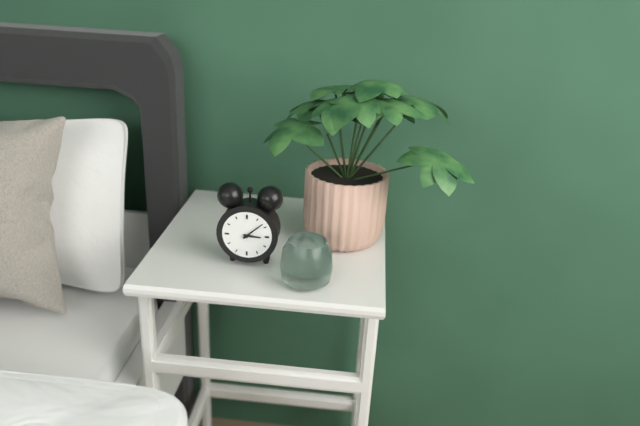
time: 3:08
